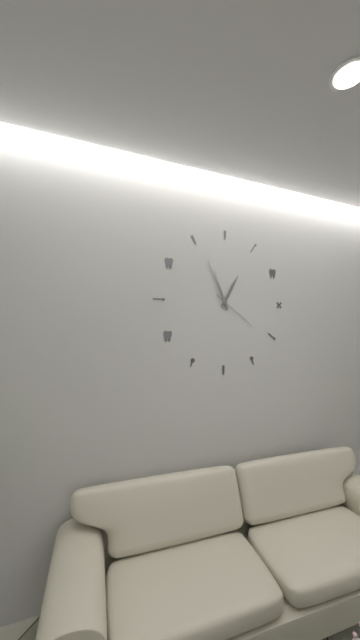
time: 12:56
